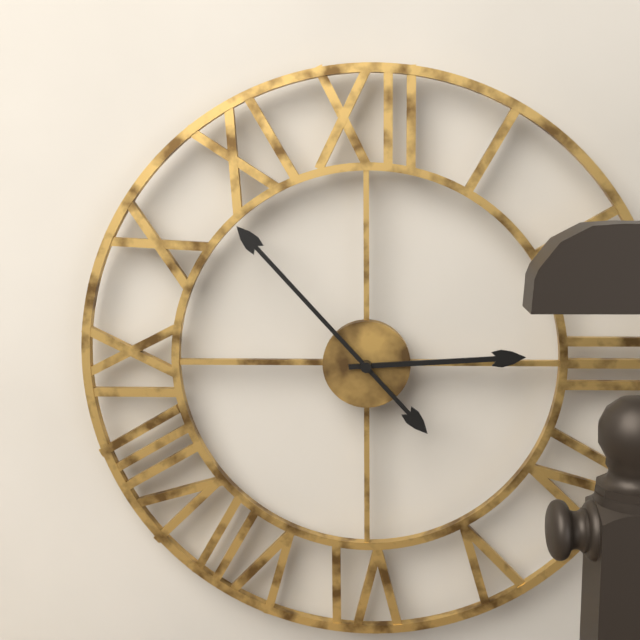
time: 2:53
